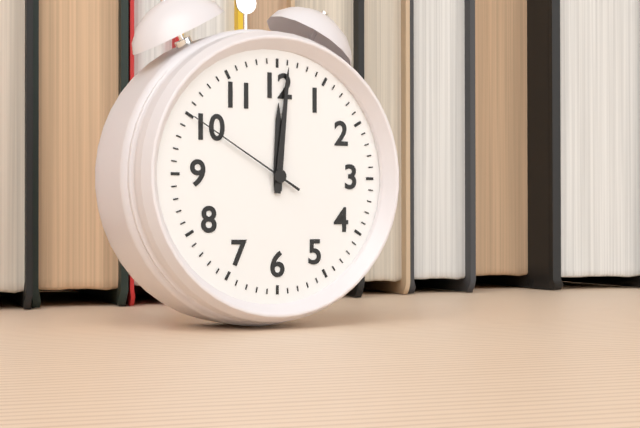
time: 12:01:50
